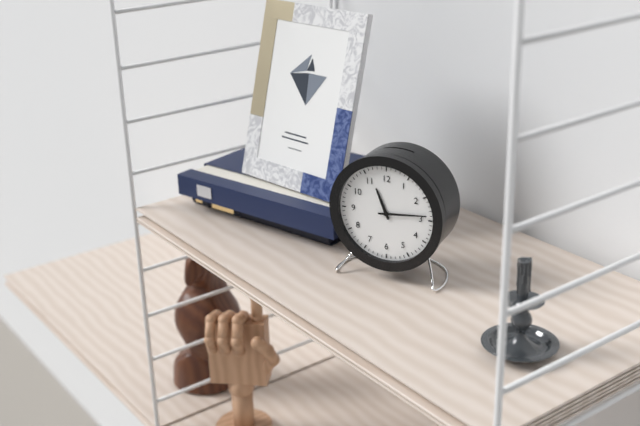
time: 11:14
